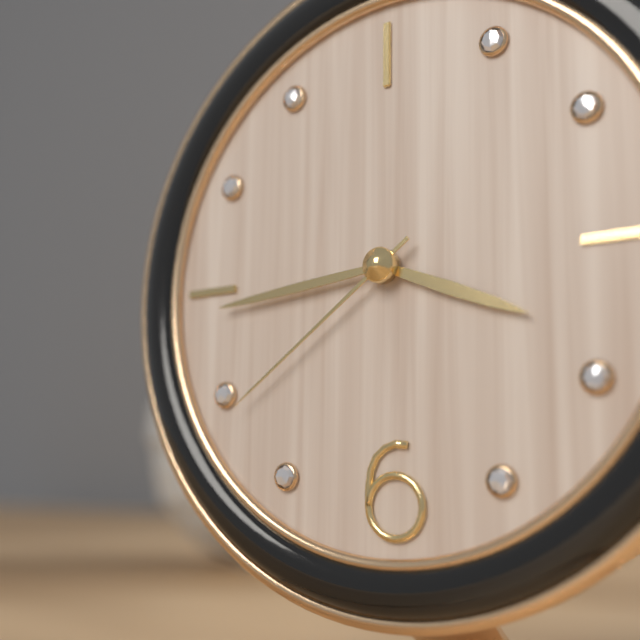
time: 3:44:39
